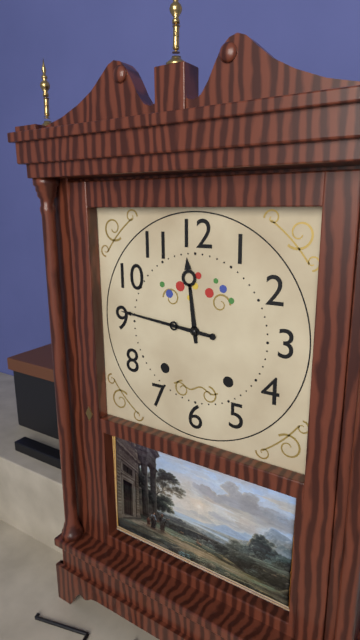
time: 11:46
